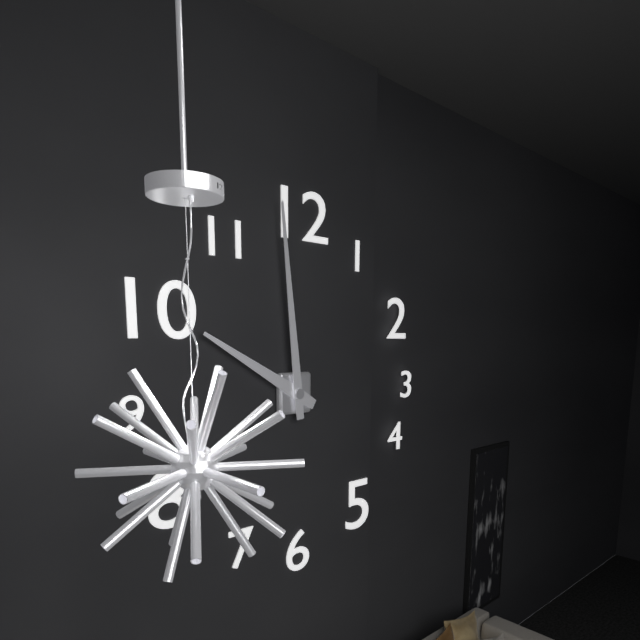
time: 9:59
